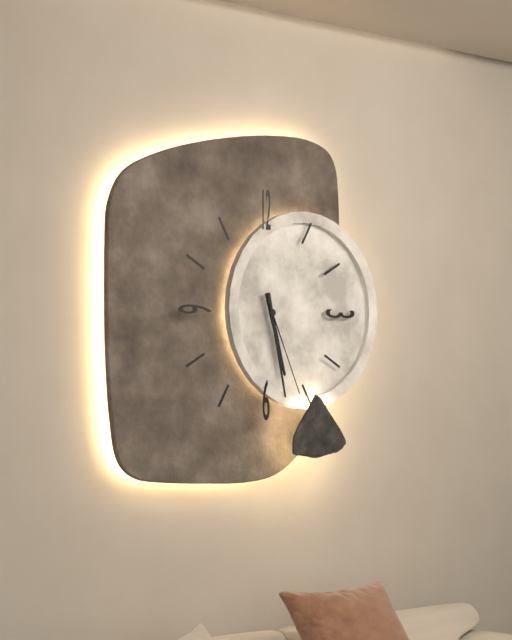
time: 5:28:26
